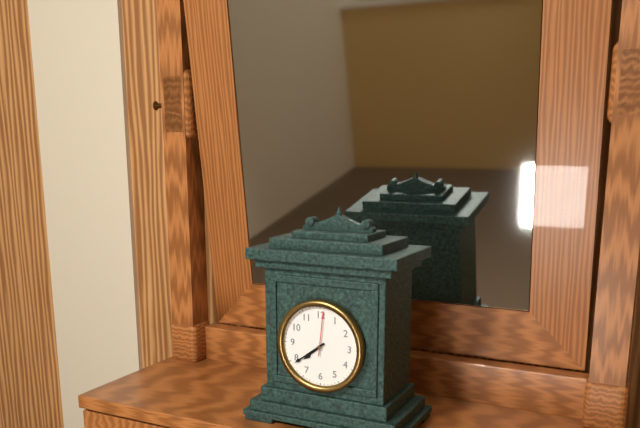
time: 7:39
